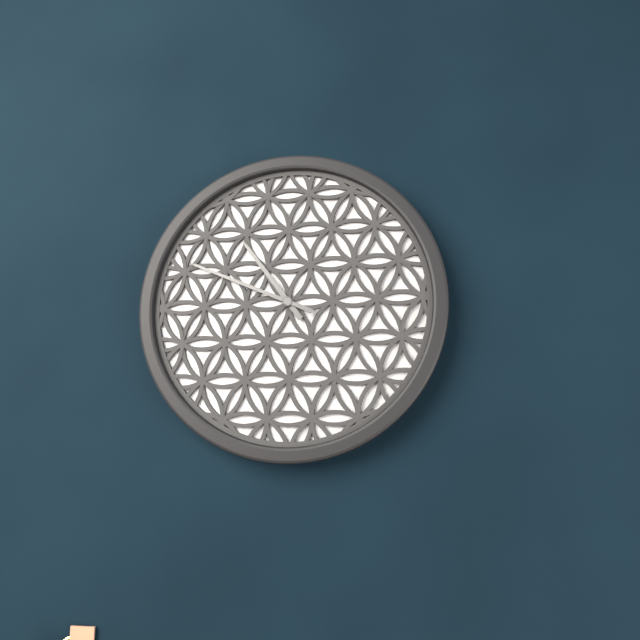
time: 10:49
